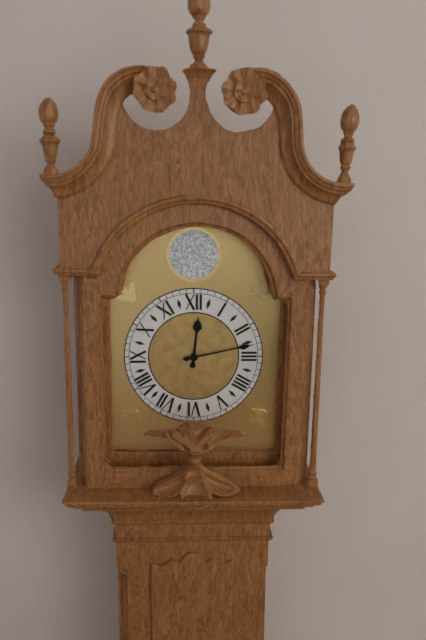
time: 12:13
